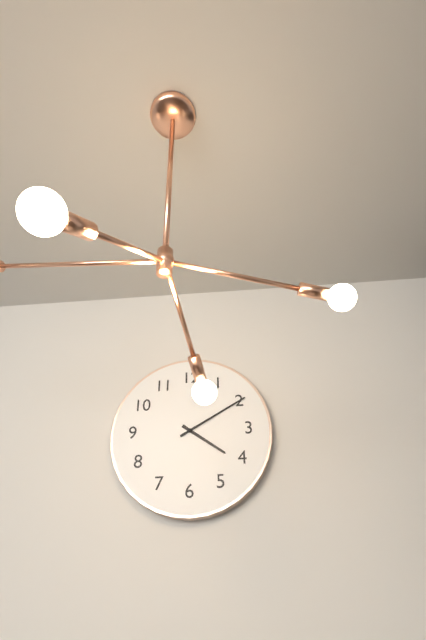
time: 4:10
